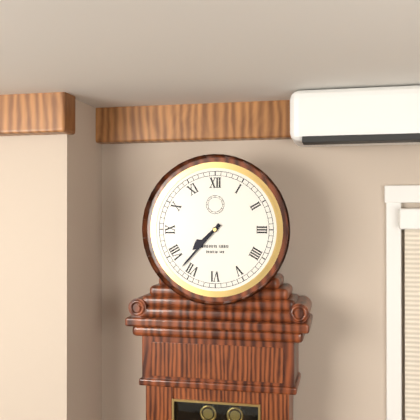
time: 7:37
